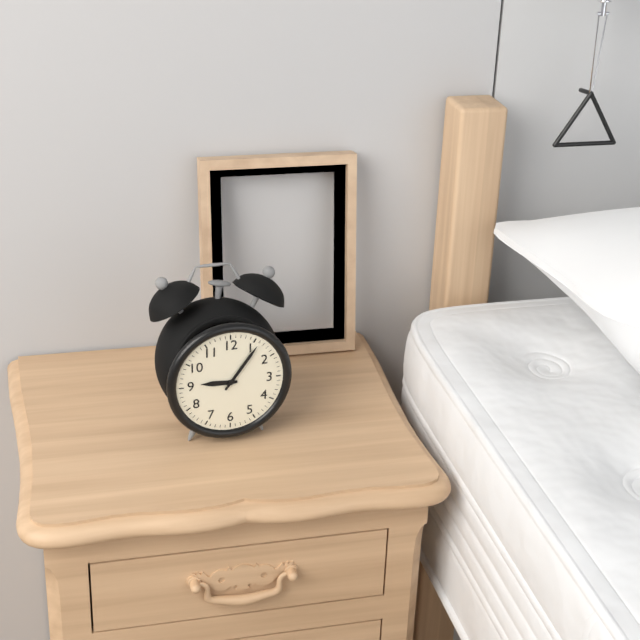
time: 9:06
